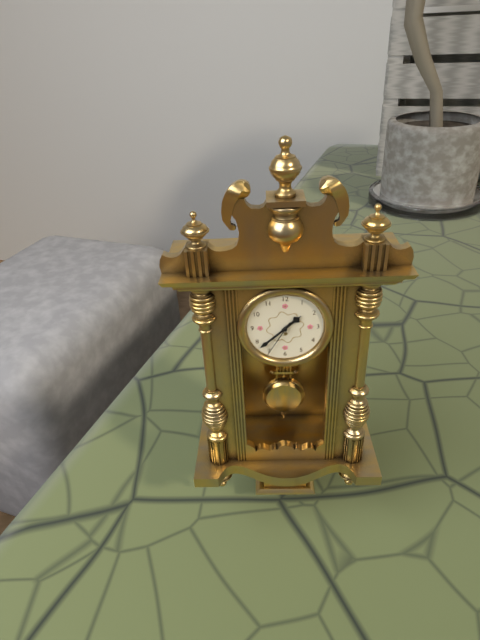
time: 1:38
